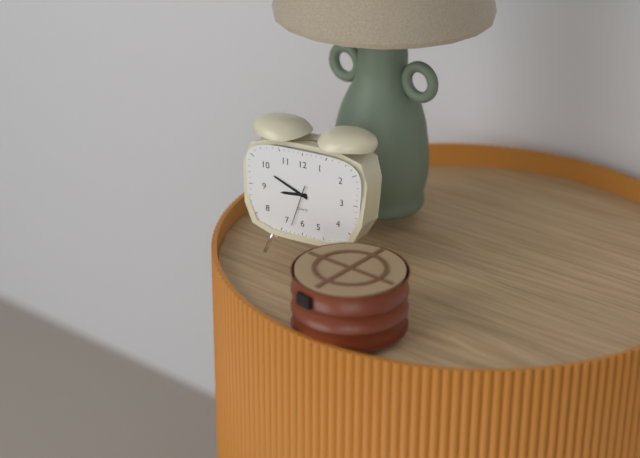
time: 8:49
